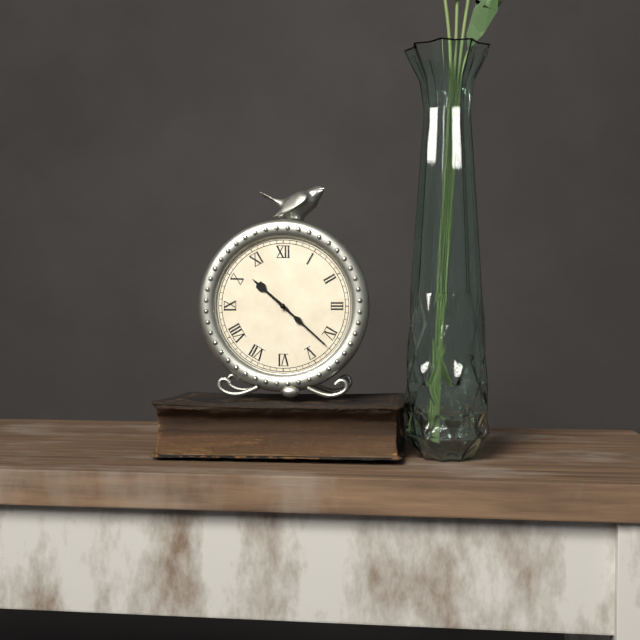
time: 10:22
